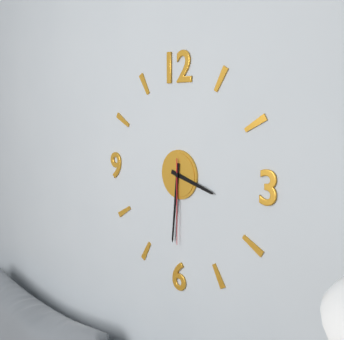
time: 3:31:30
